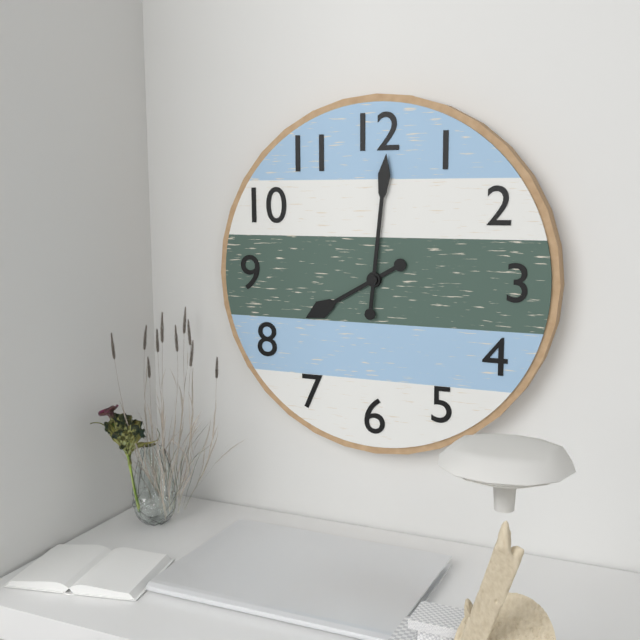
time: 8:01
